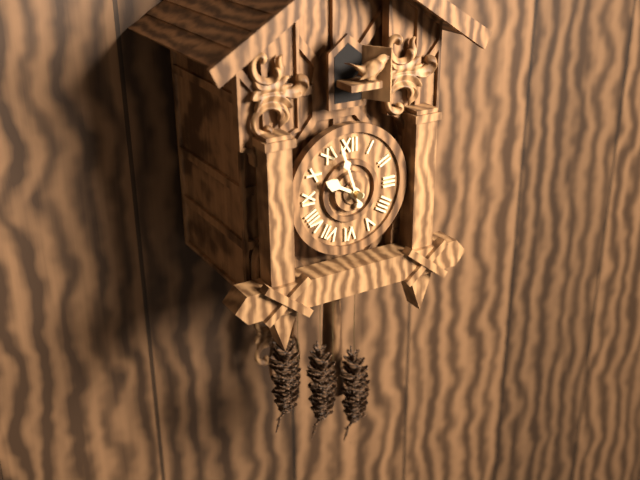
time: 9:57
